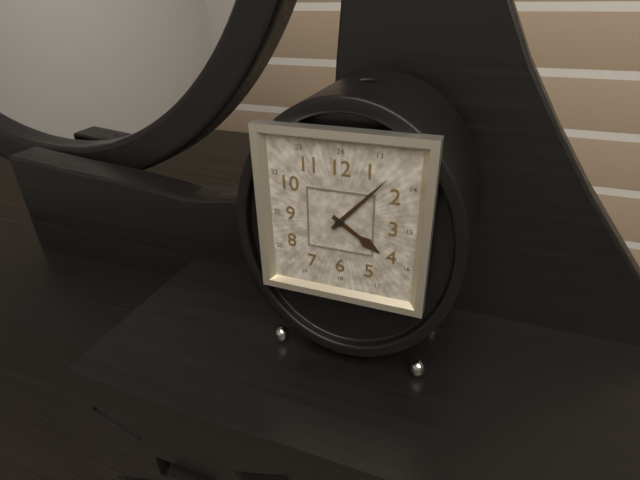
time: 4:07
